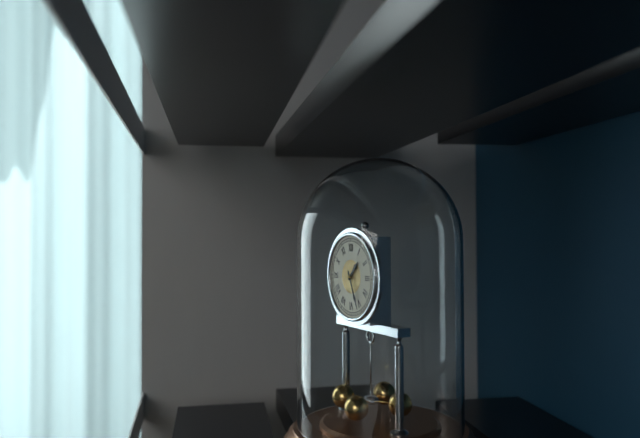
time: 1:26
